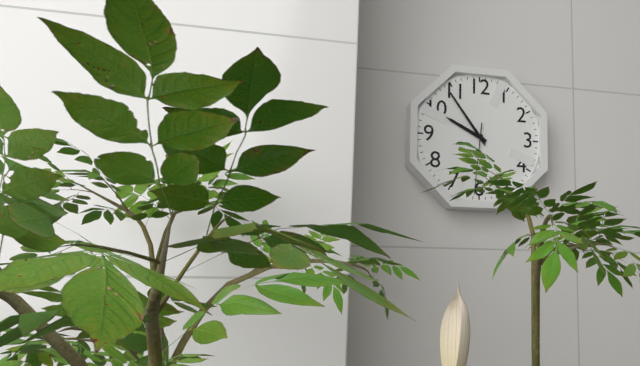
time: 9:54:31
